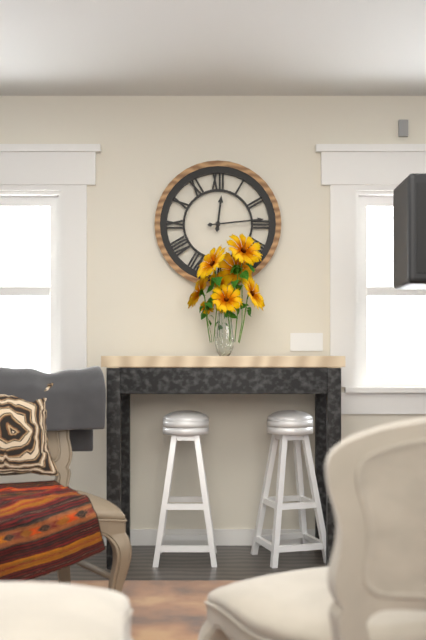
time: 12:14
